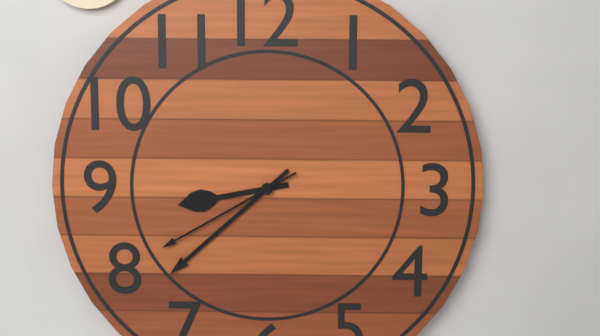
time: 8:38:40
